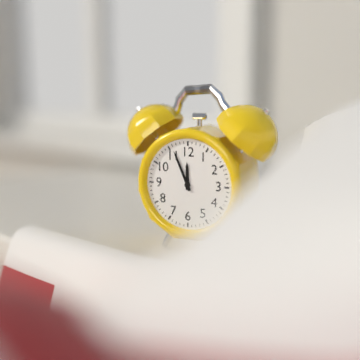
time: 11:56
